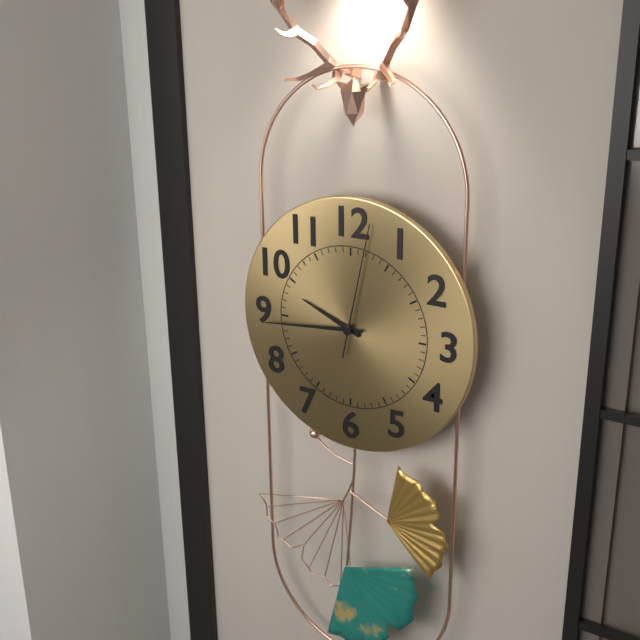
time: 9:44:02
